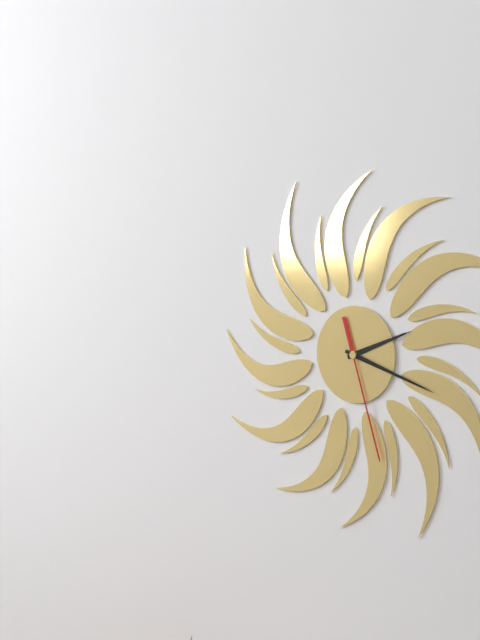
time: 2:18:27
